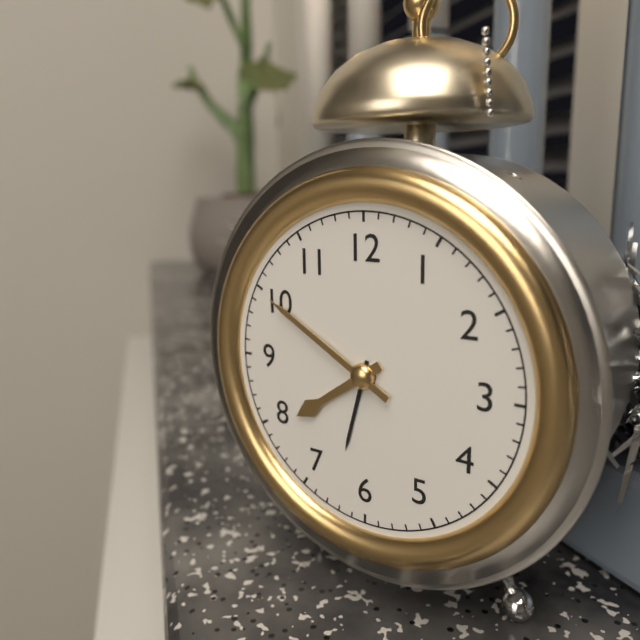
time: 7:50
